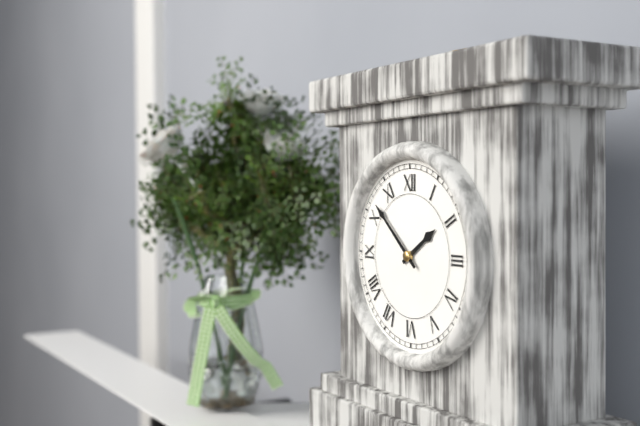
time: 1:52
